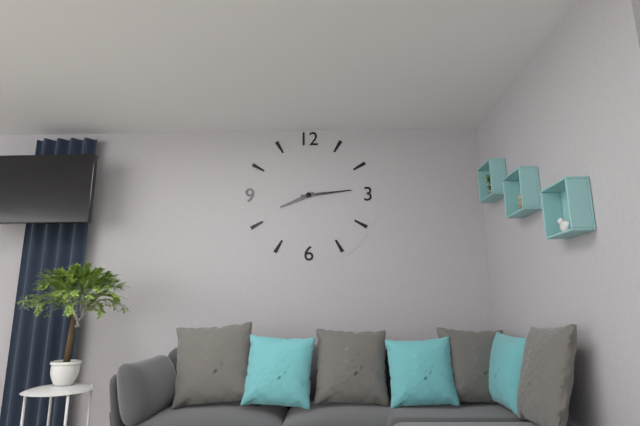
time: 8:14
